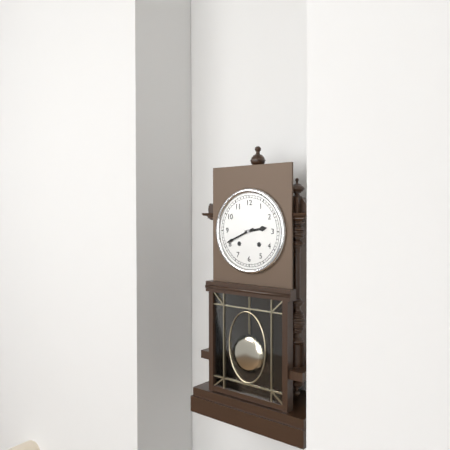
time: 2:41
